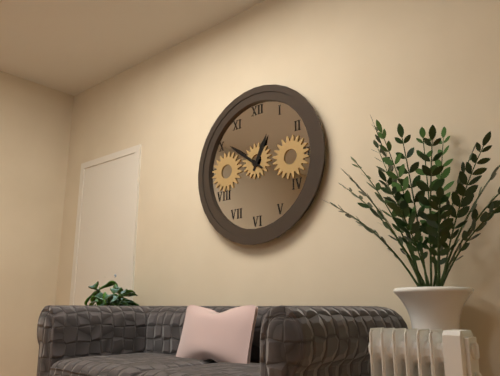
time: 12:51
